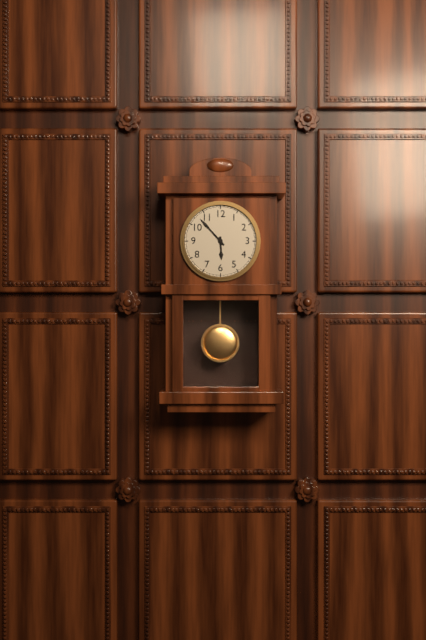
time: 5:53
